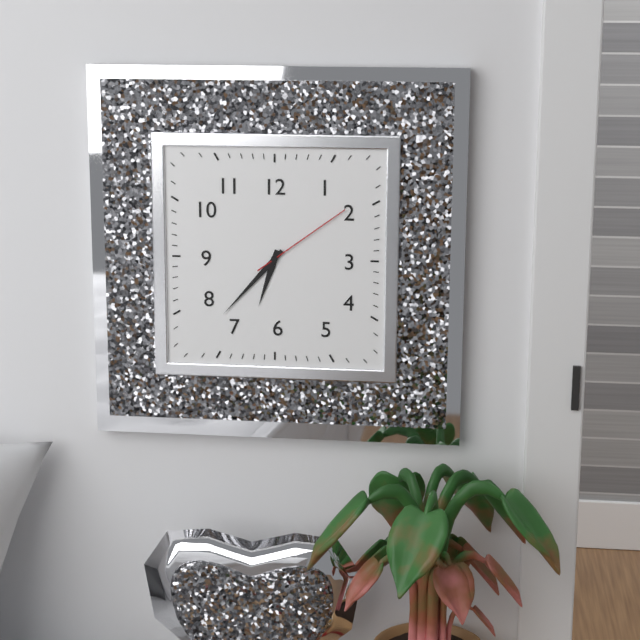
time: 6:37:09
